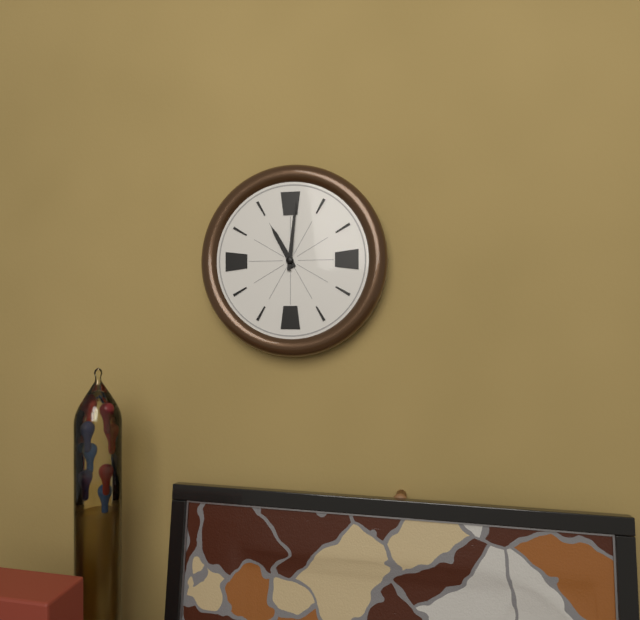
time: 11:01
